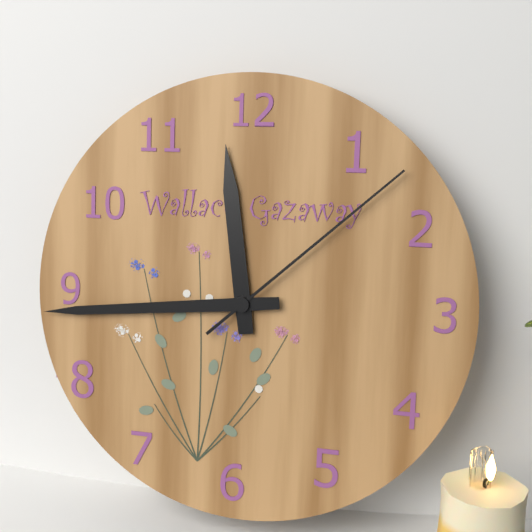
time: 11:44:08
